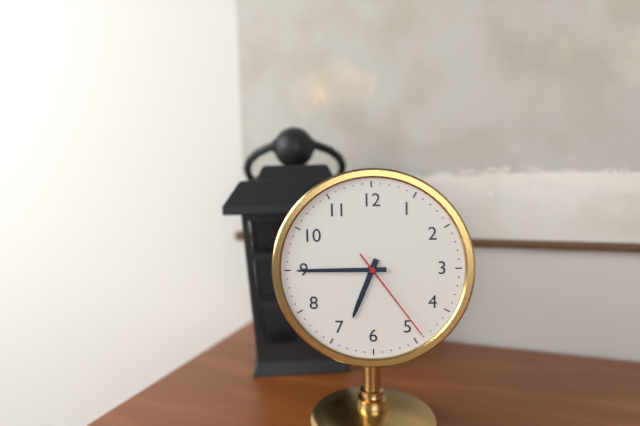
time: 6:45:24
